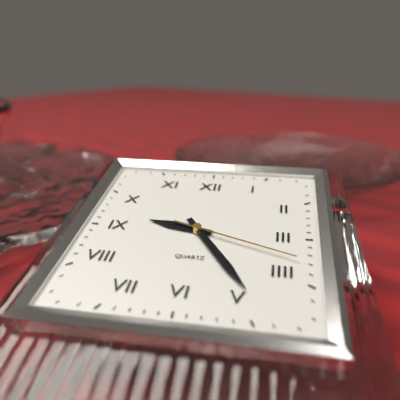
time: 9:24:18
